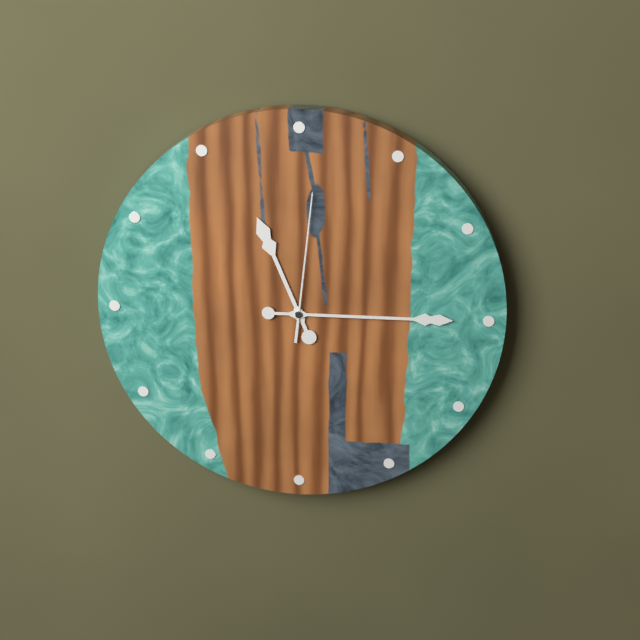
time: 11:15:01
